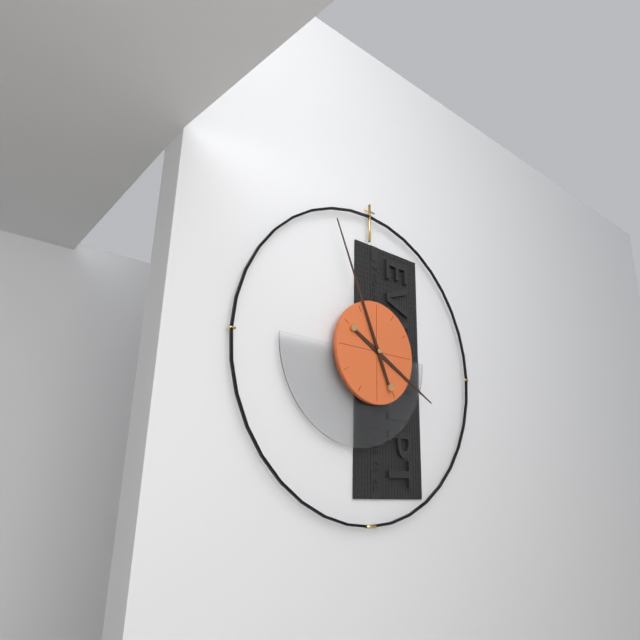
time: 3:56
